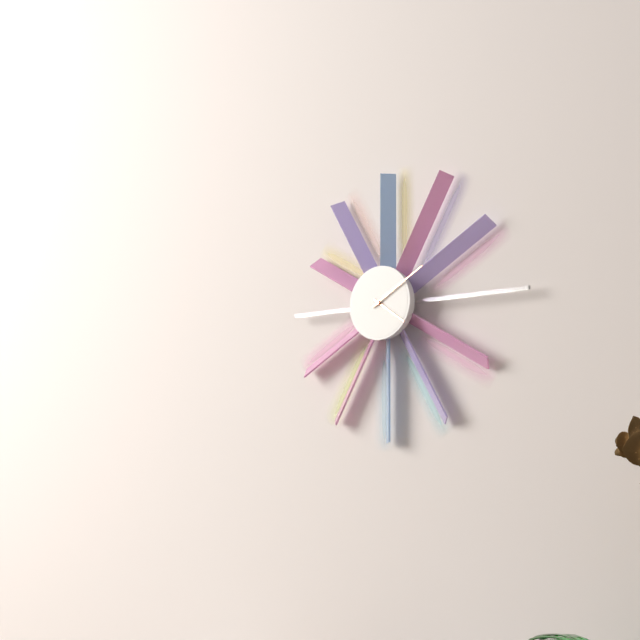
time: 4:10
